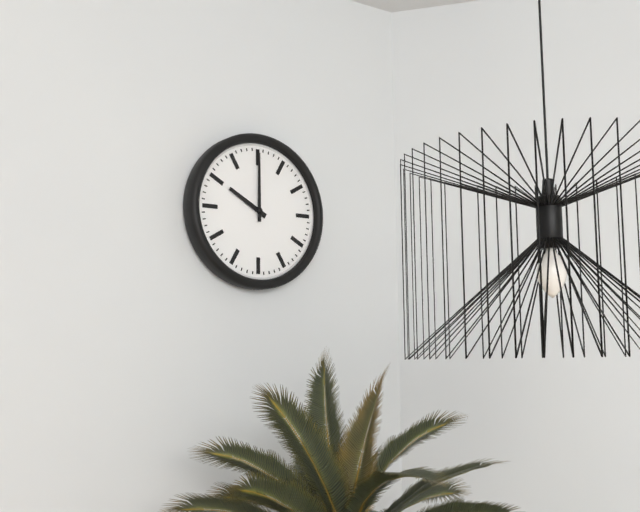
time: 10:00
